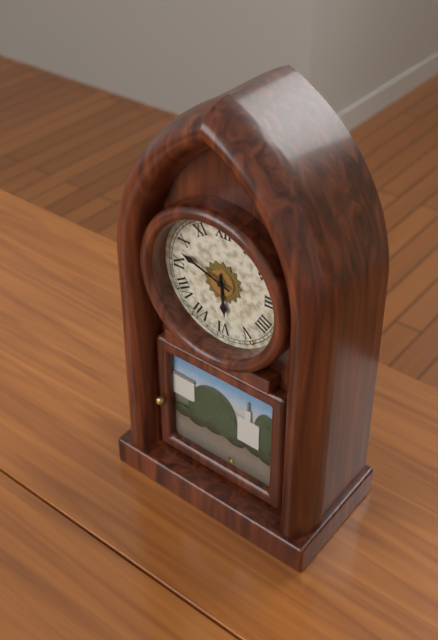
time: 5:48
